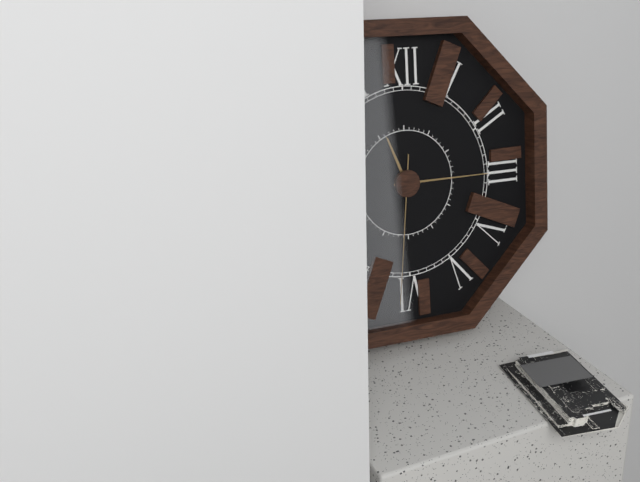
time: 11:15:31
